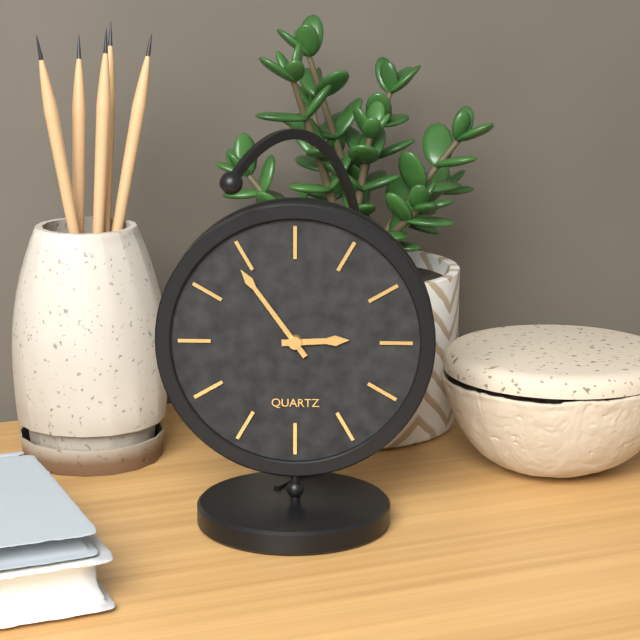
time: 2:54
